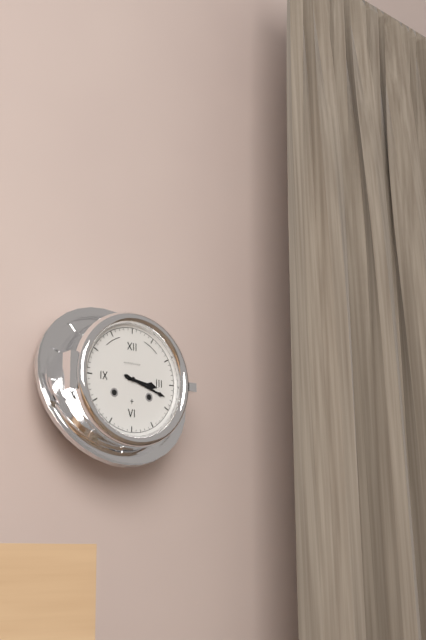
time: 3:18
